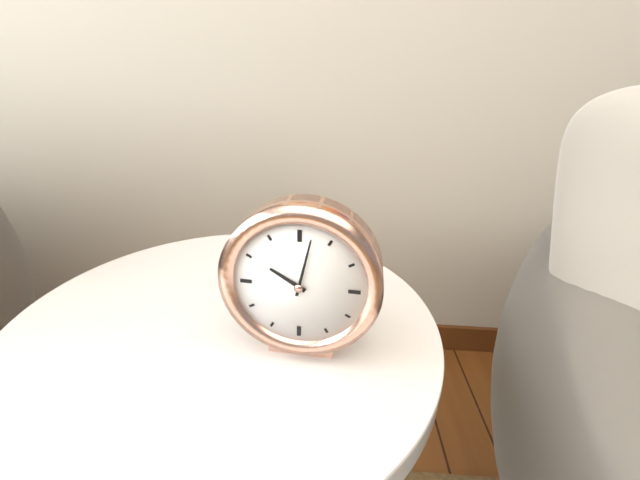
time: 10:02
